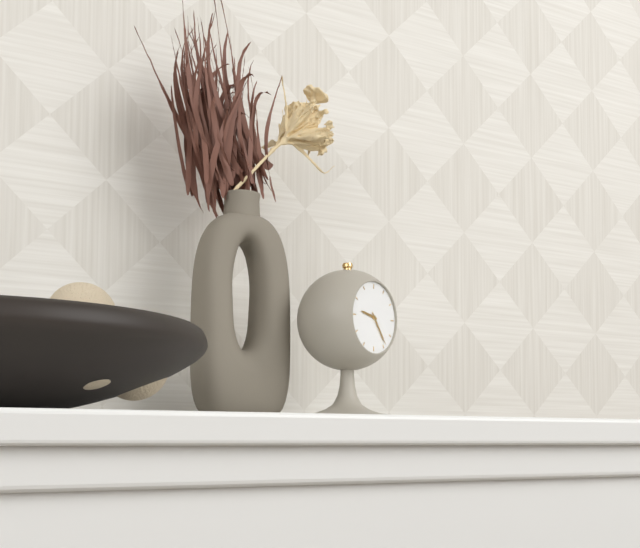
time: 9:24
